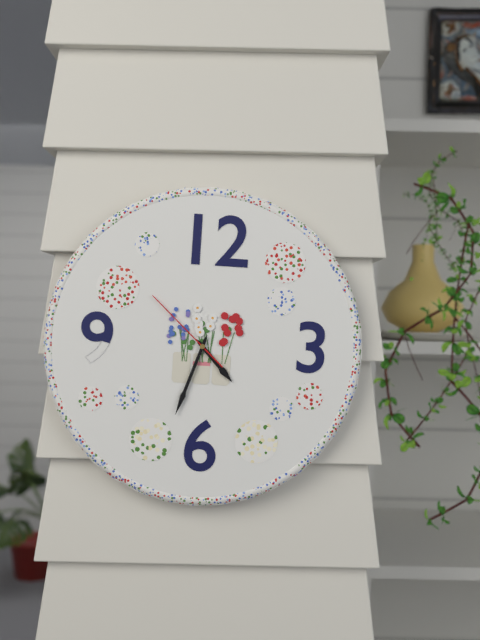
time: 4:33:52
